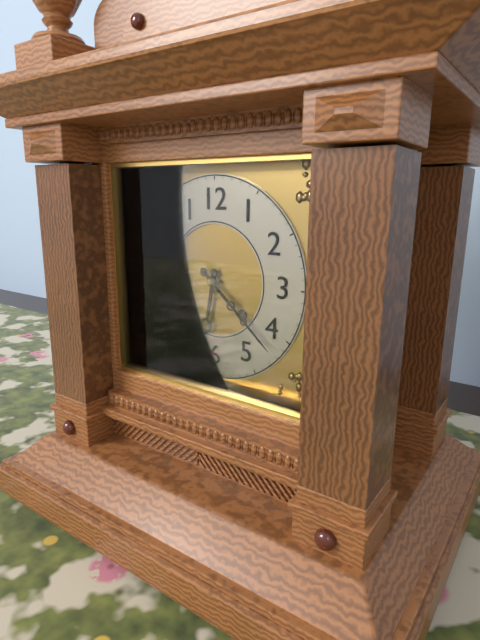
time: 6:22
